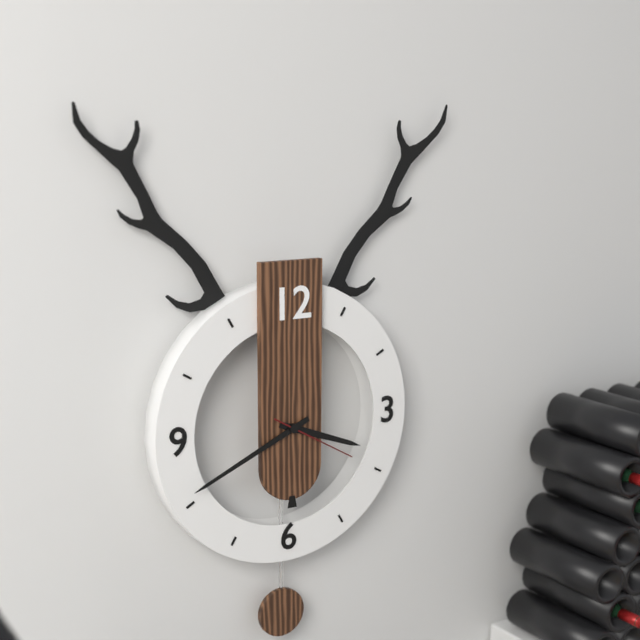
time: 3:41:20
